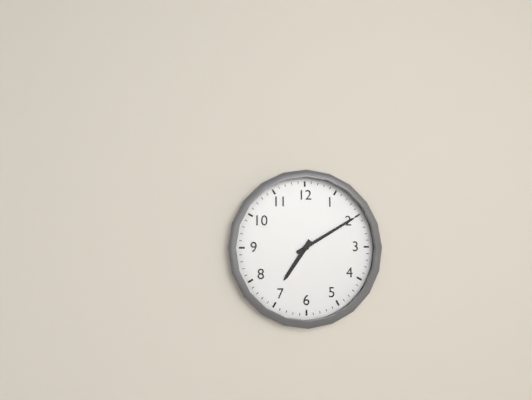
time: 7:10
